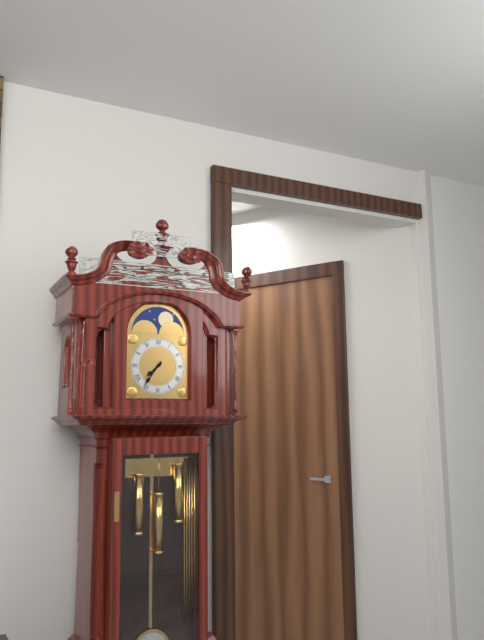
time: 7:36
